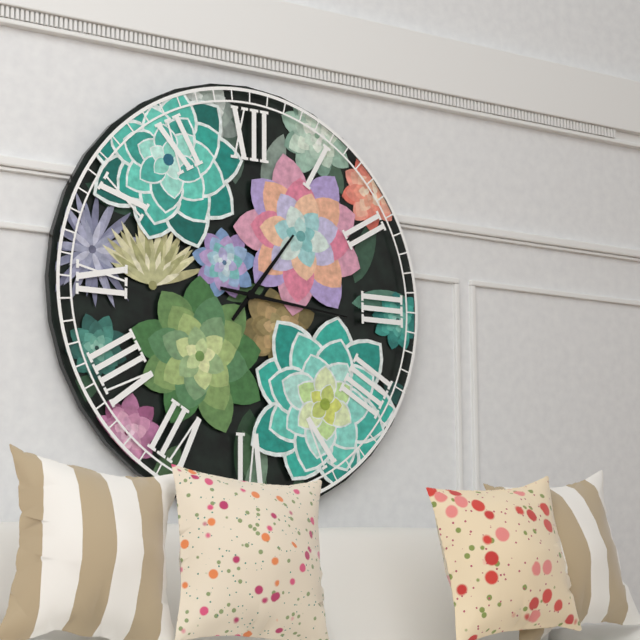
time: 1:16
